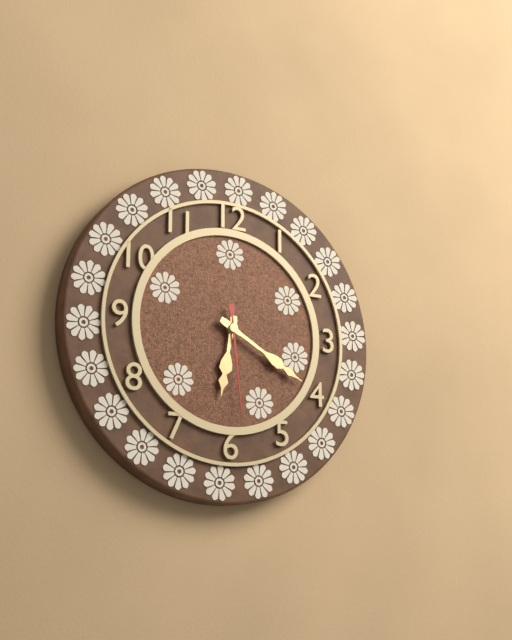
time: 6:20:29
